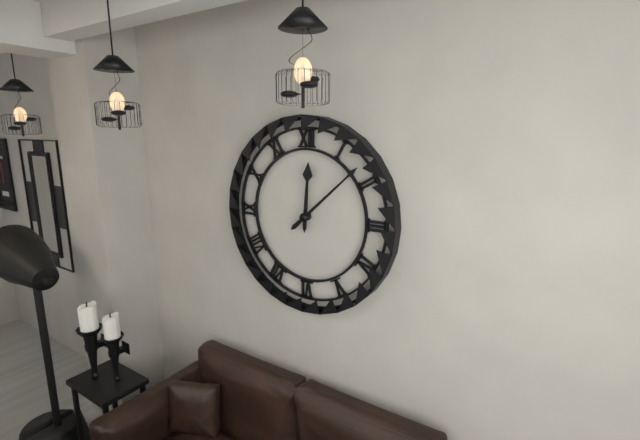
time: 12:08
